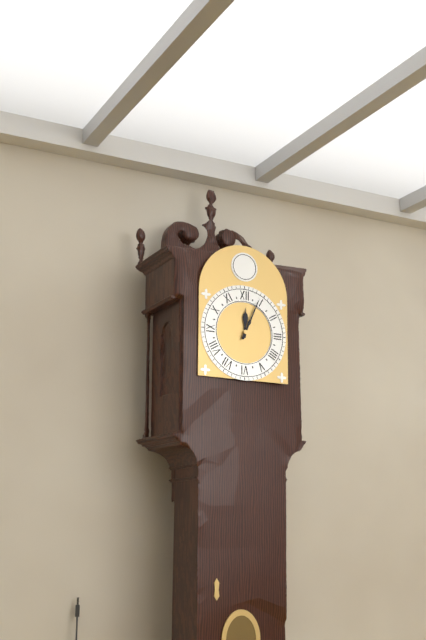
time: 12:04
